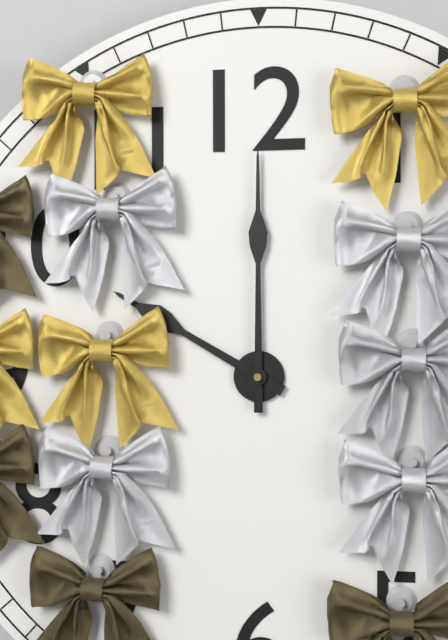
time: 10:00
